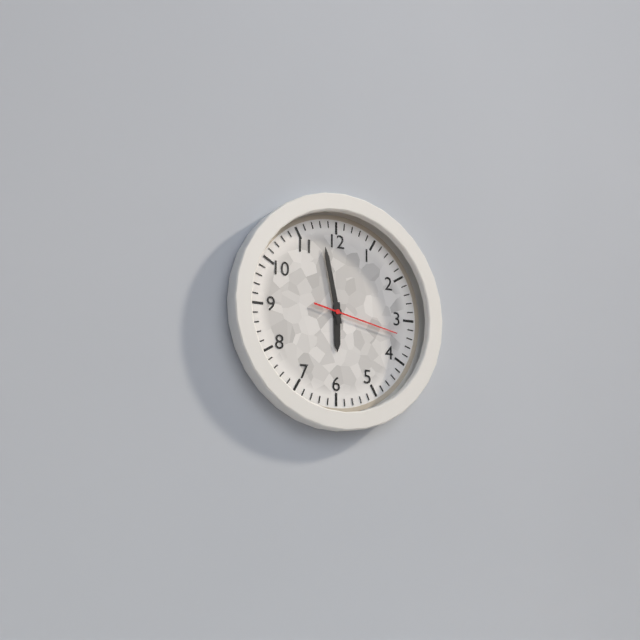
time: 5:58:17
